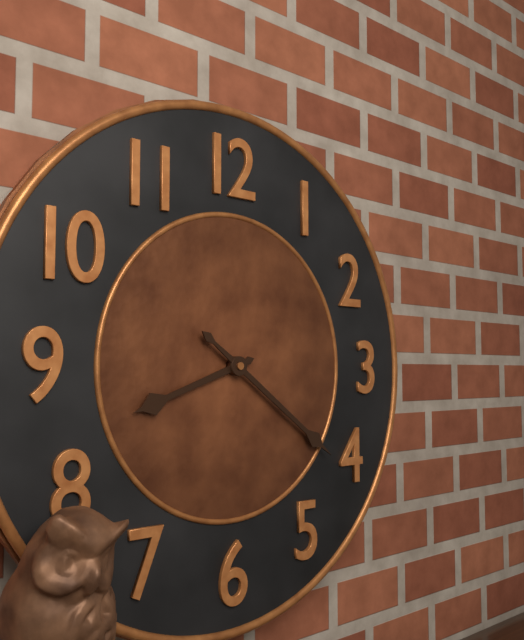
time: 8:21
